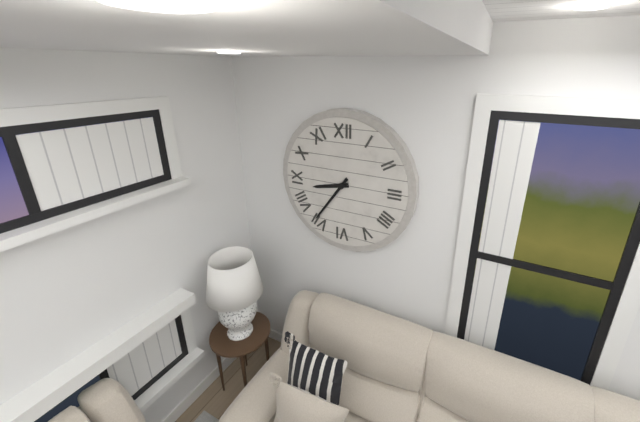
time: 8:36
